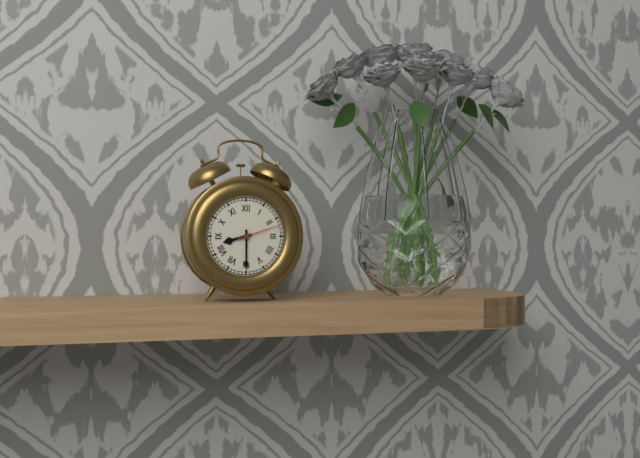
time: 8:30
